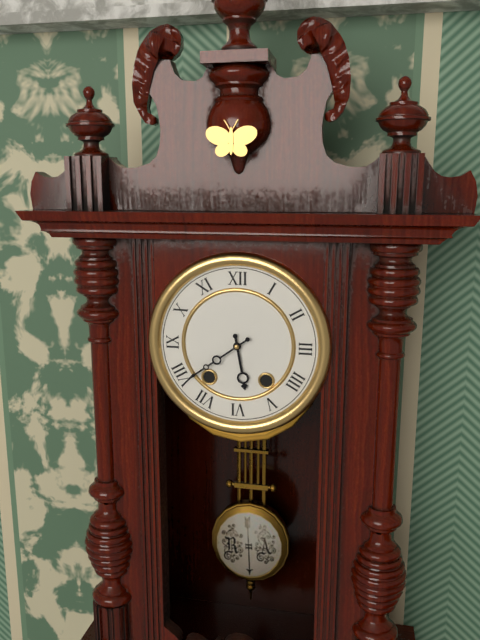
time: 5:39
